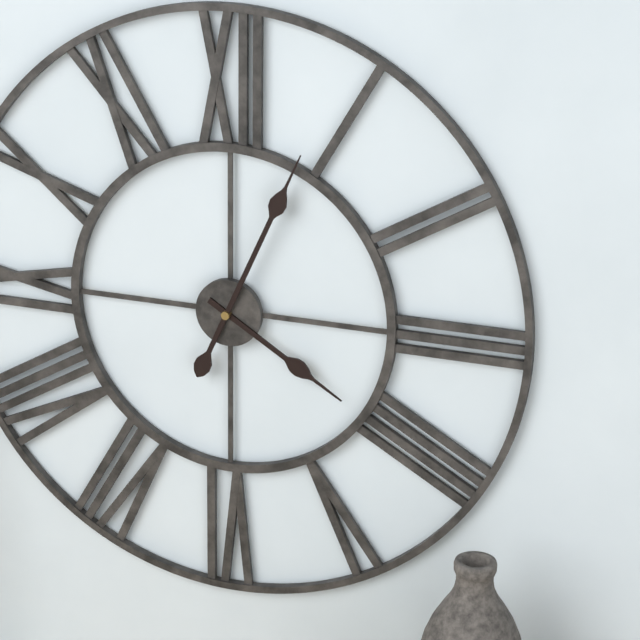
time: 4:04
